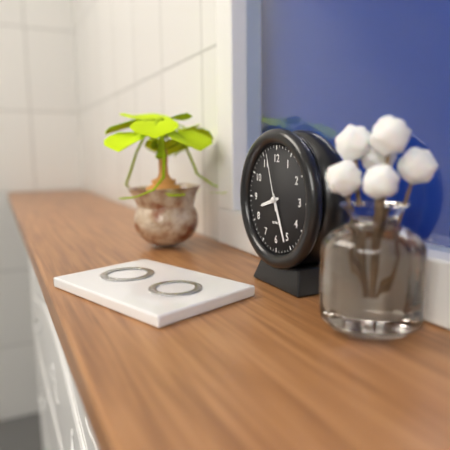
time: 8:26:57
